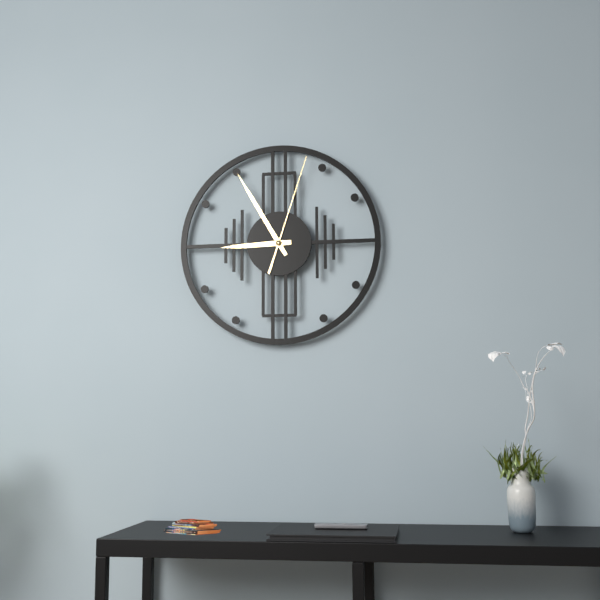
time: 8:55:03
